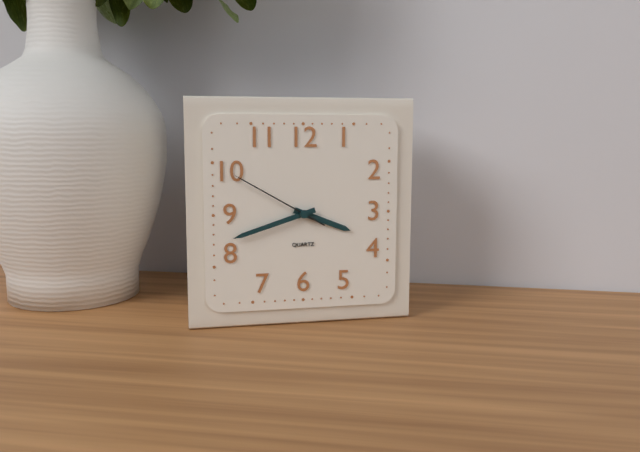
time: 3:42:50
